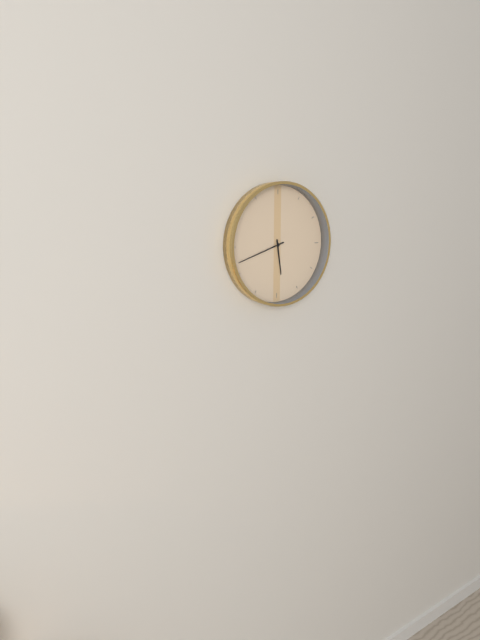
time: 5:42
